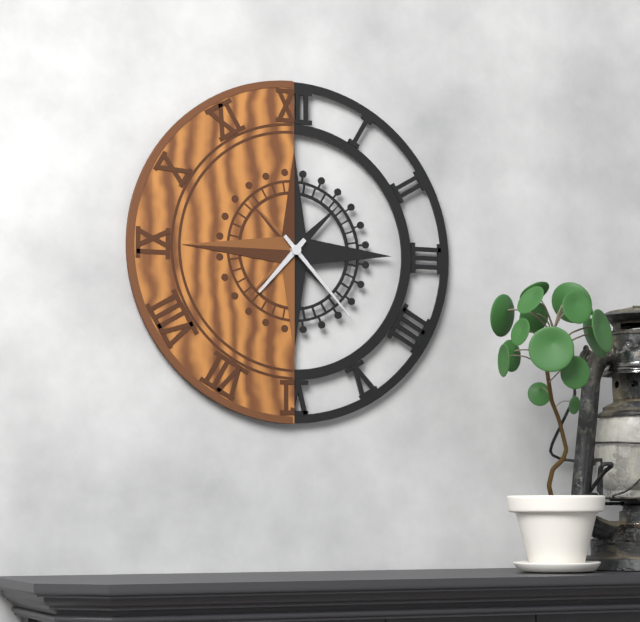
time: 7:23
